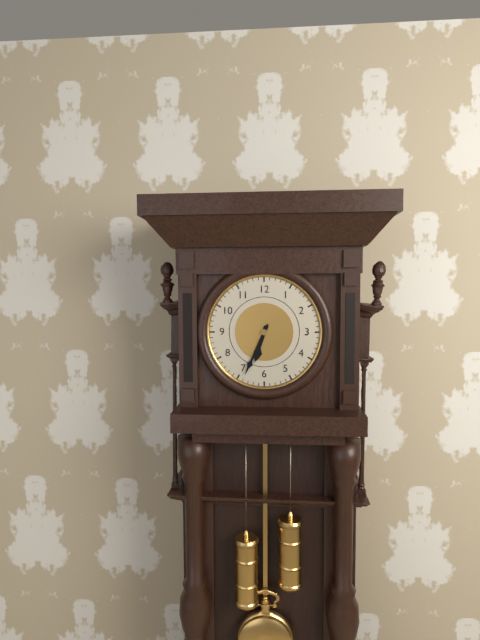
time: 6:34
